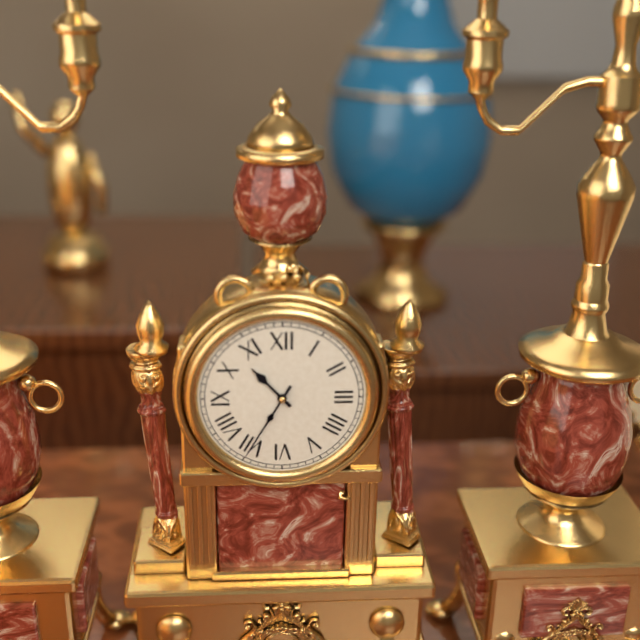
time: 10:35
